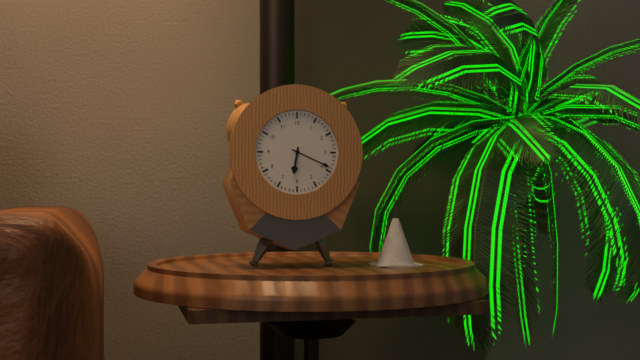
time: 6:19
